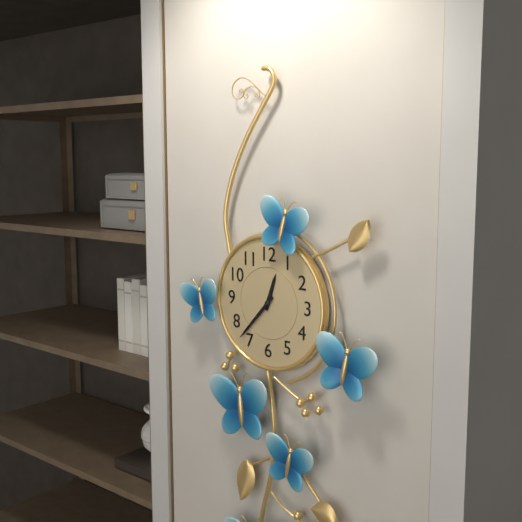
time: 12:37
